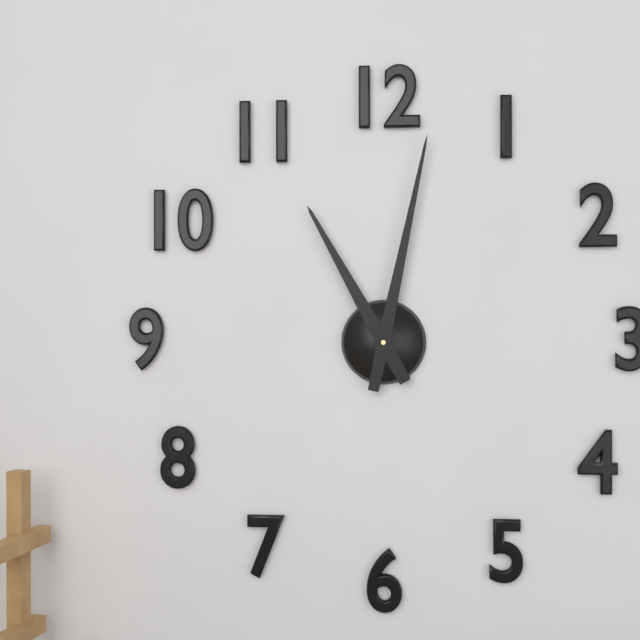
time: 11:02
